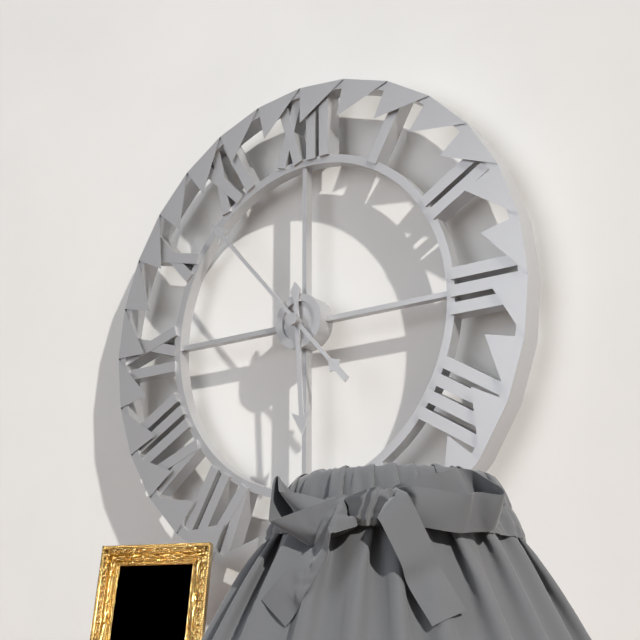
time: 5:53
